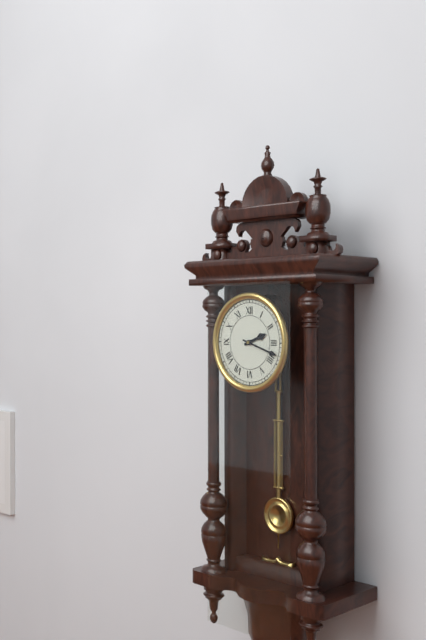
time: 2:18
